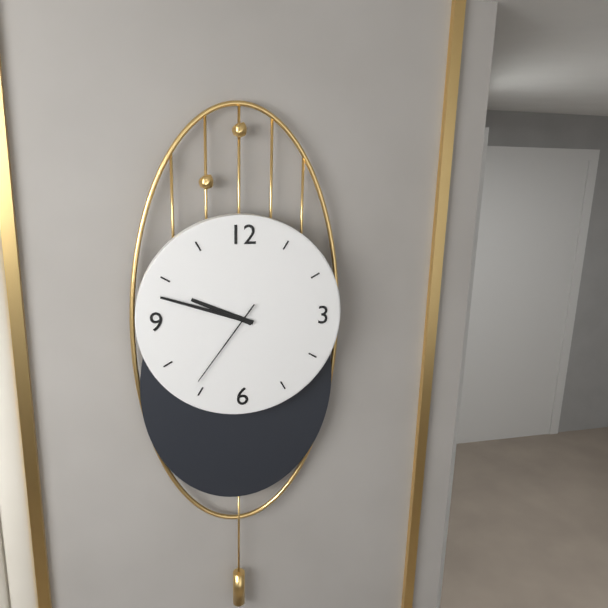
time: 9:48:36
